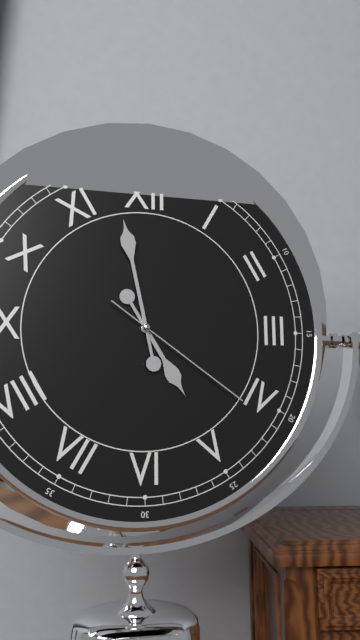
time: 4:58:21
